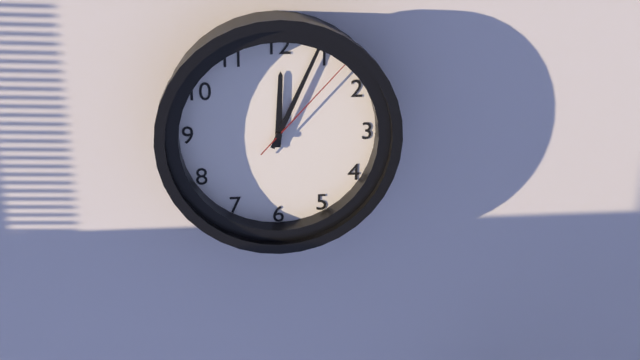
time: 12:04:07
